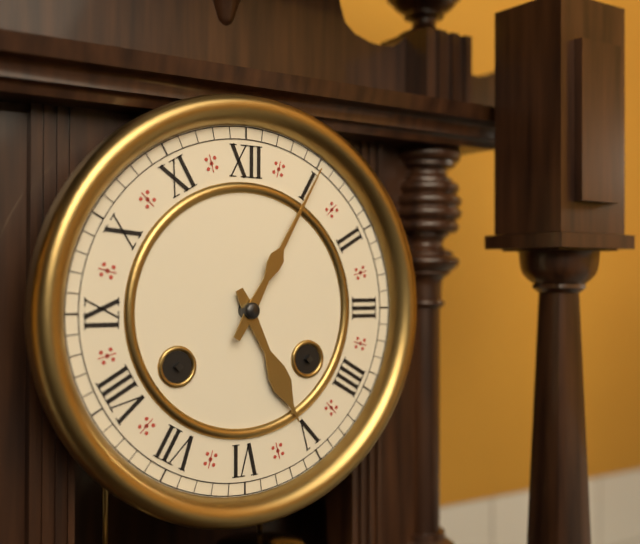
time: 5:05
